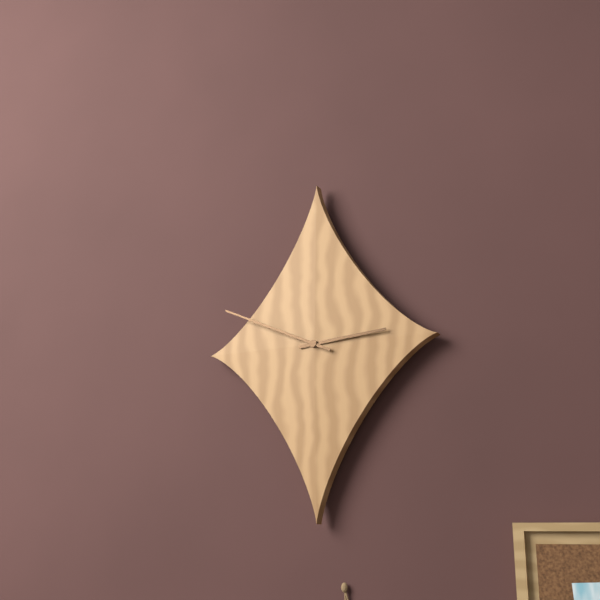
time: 2:49
